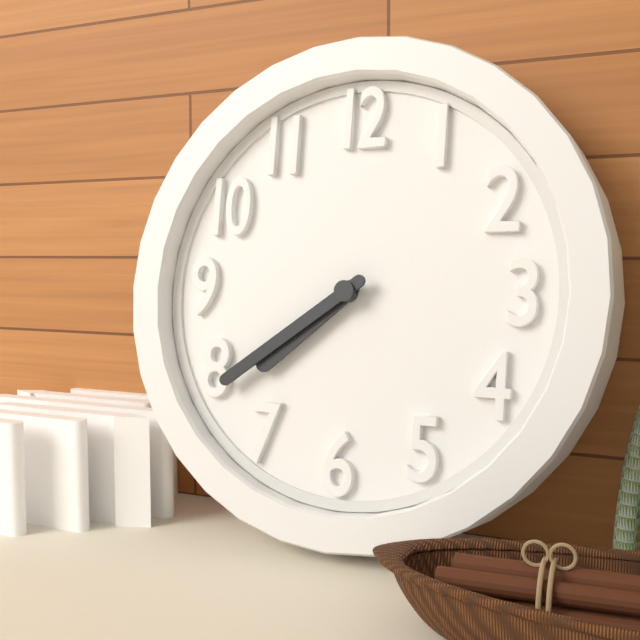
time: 7:39
